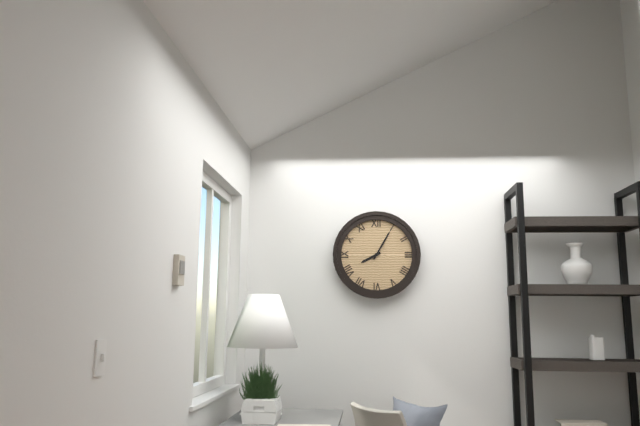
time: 8:05
